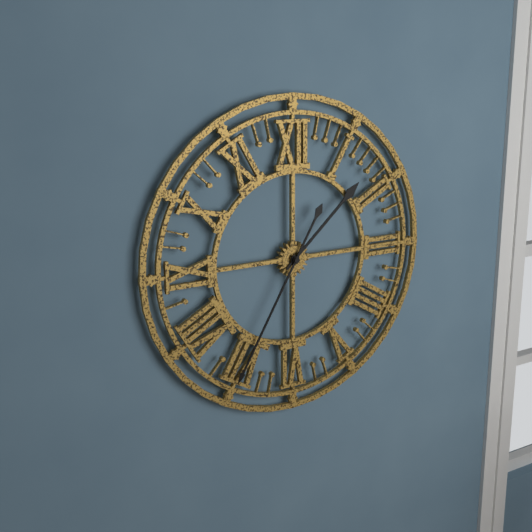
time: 1:35
